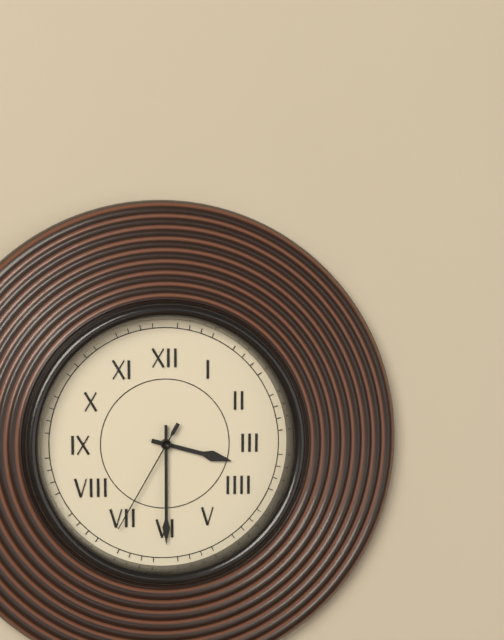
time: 3:30:35
